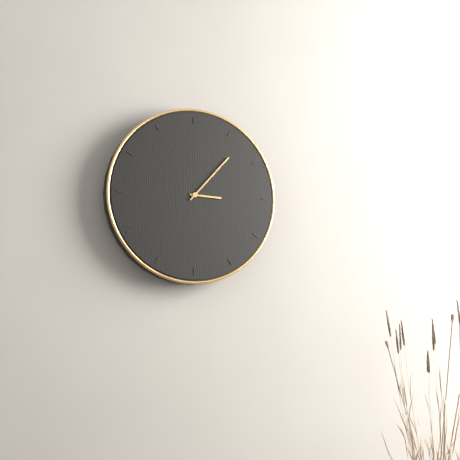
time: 3:07
